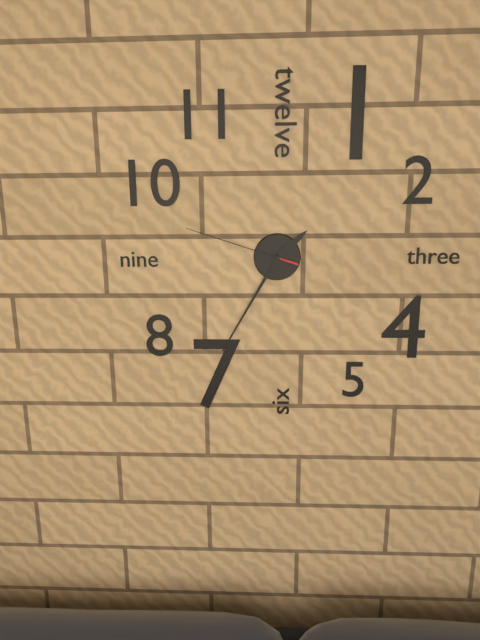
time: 1:35:48
